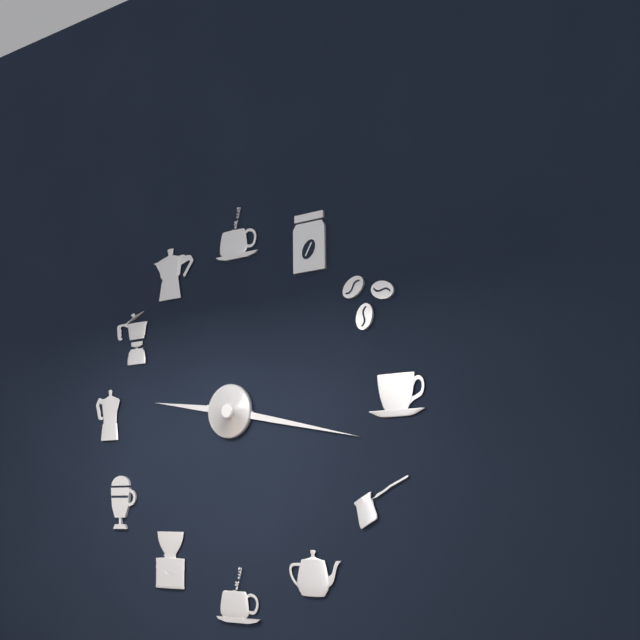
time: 9:17
